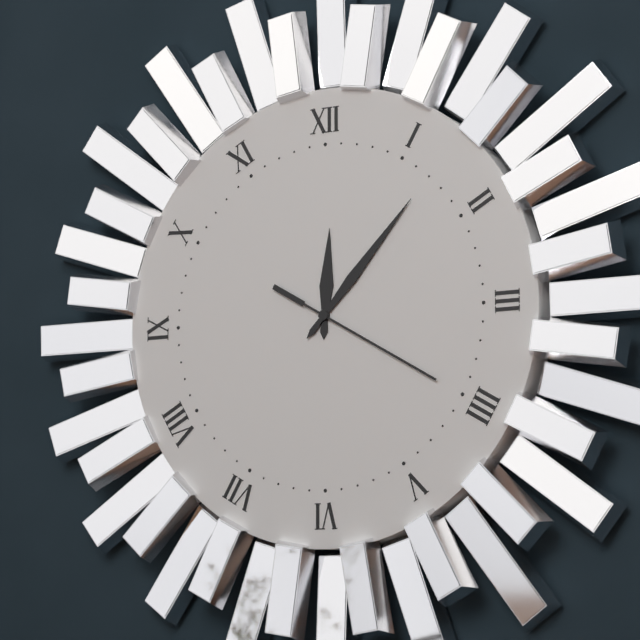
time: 12:07:20
